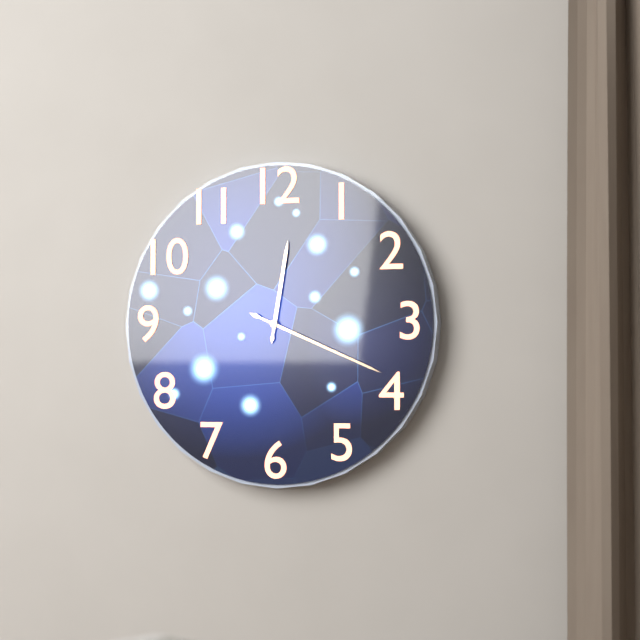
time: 12:19
